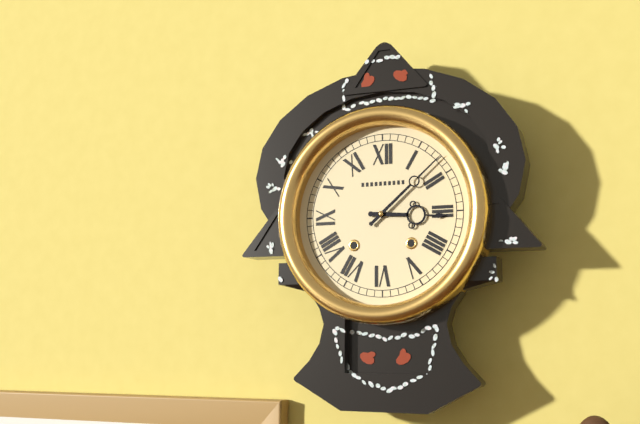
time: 3:08
